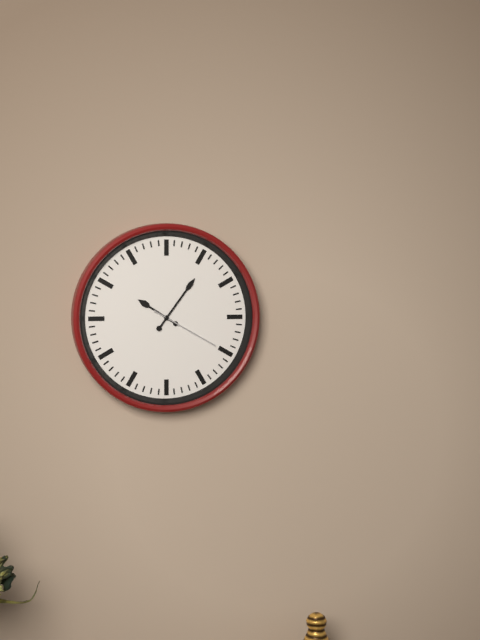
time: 10:06:20
